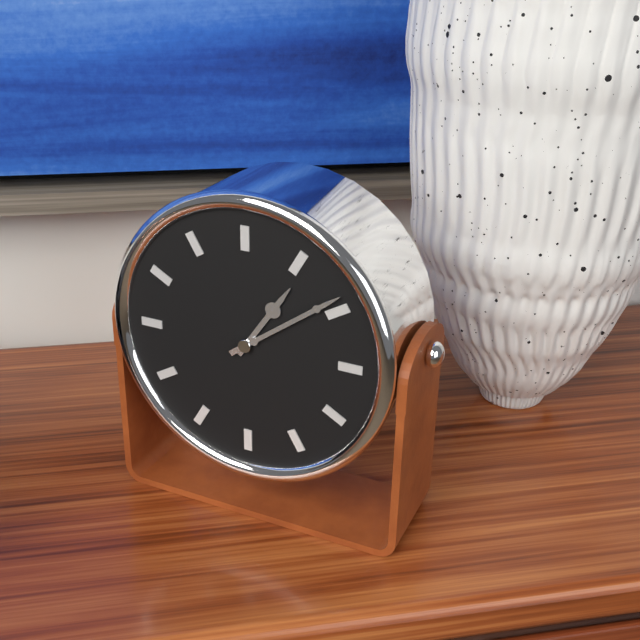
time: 1:09
